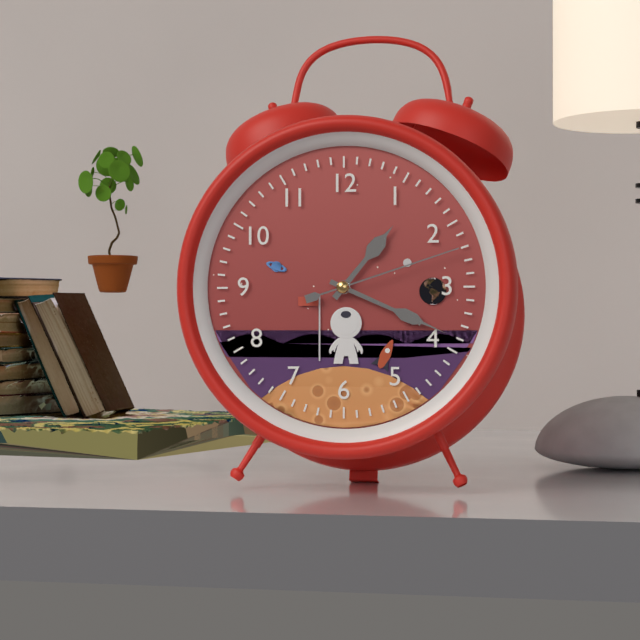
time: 1:19:12
